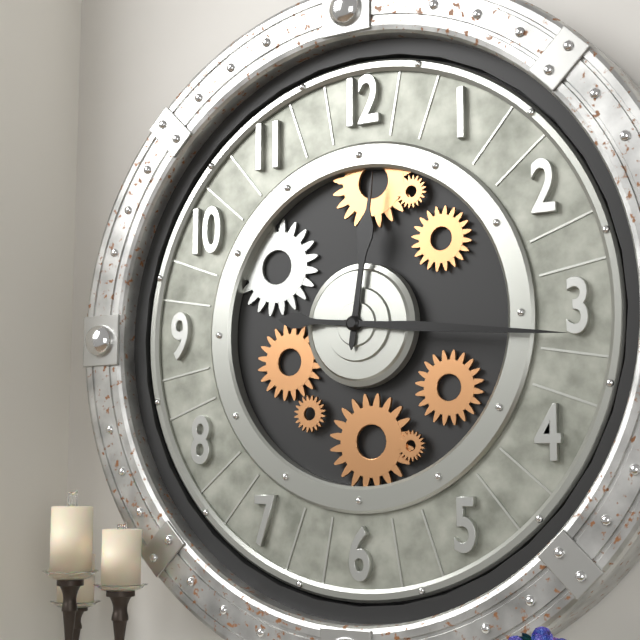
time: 12:16
